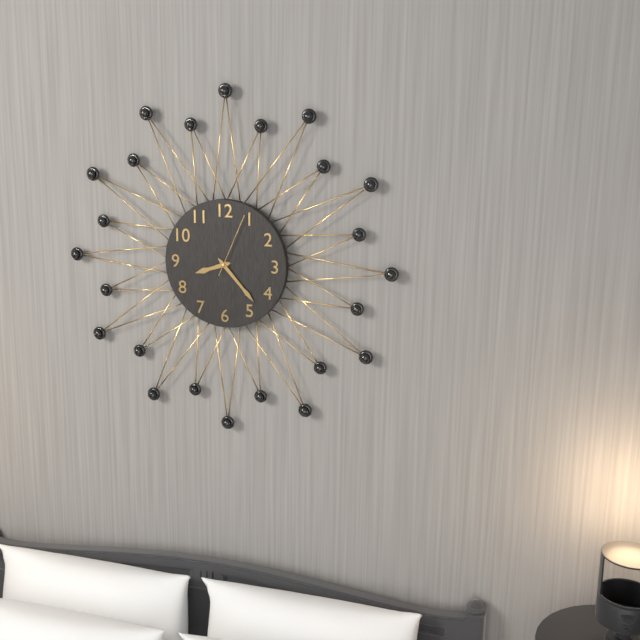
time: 8:23:04
